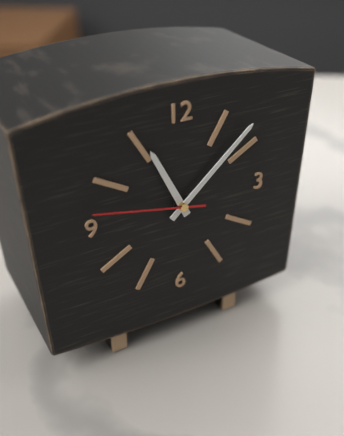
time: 11:08:47
